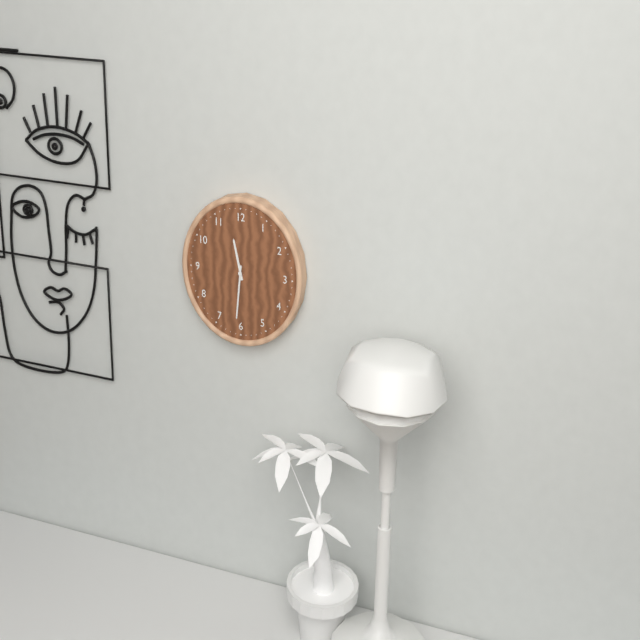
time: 11:31
